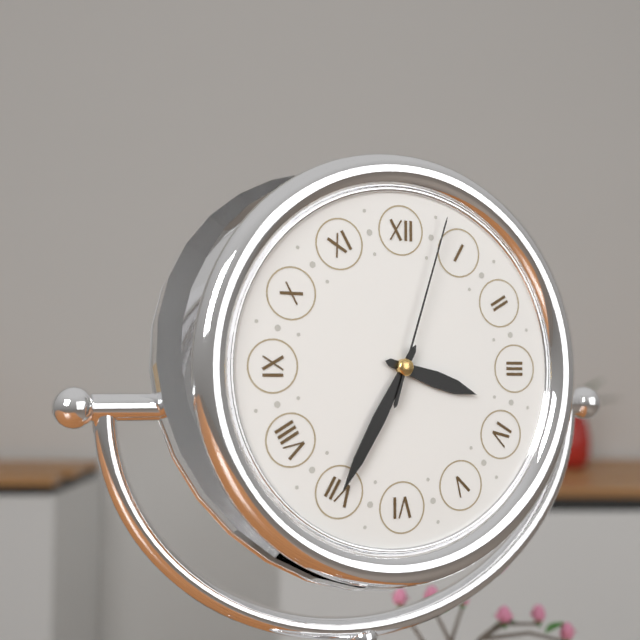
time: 3:35:03
